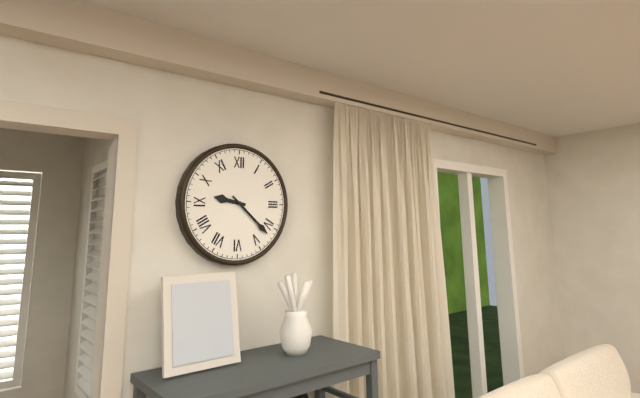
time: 9:22
